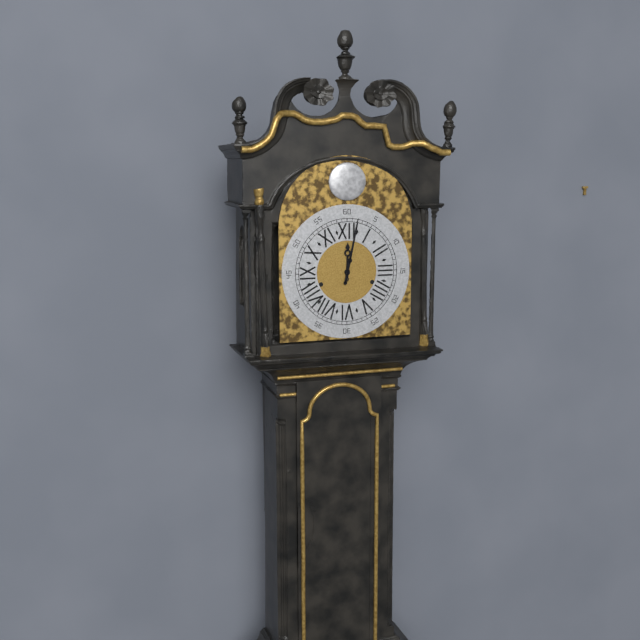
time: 12:02
